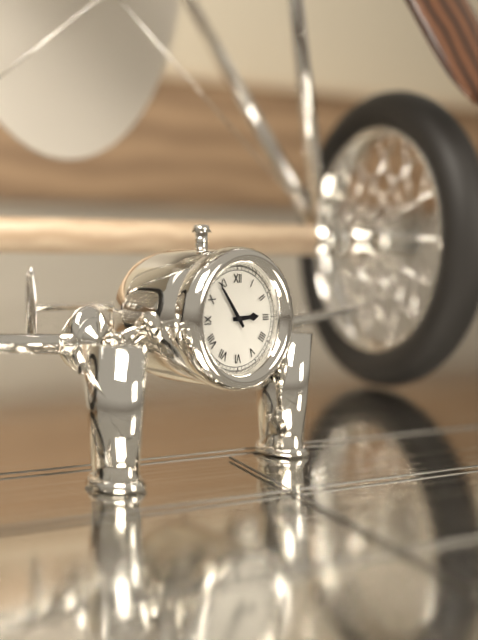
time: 2:54
